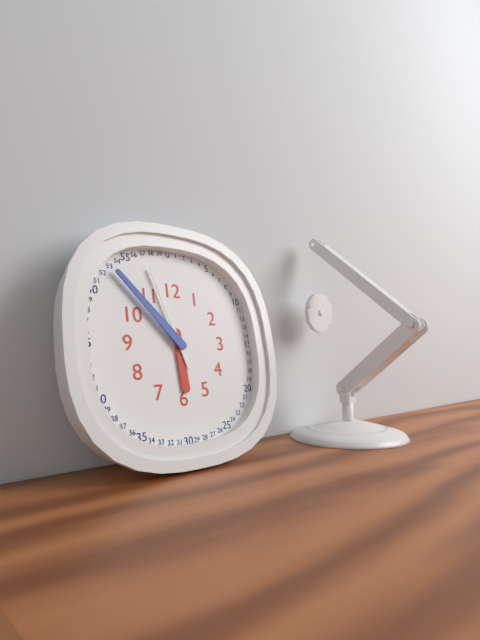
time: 5:53:57
